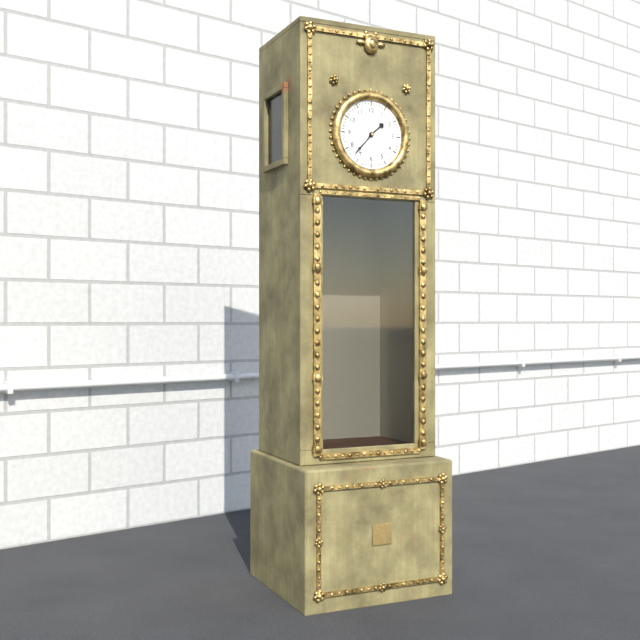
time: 1:37
